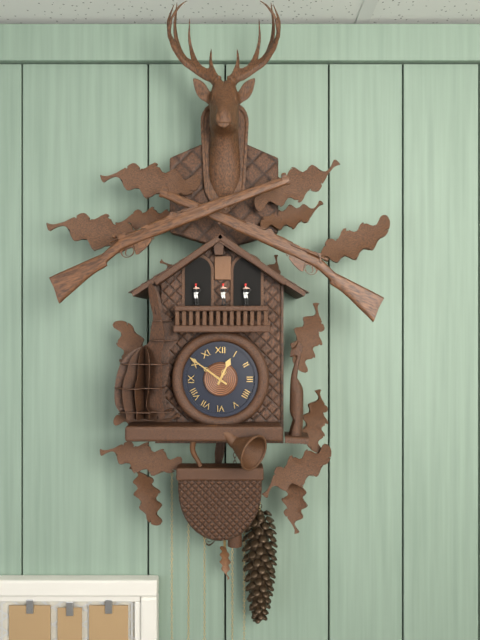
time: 12:51
